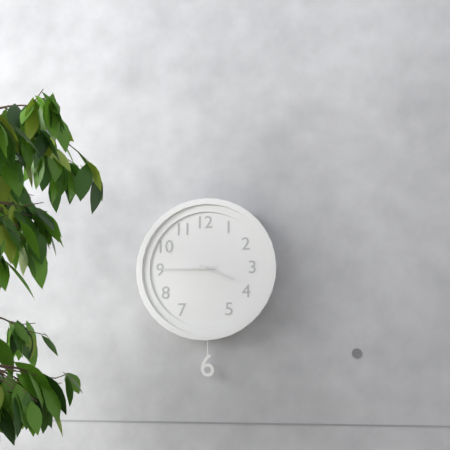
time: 3:45
